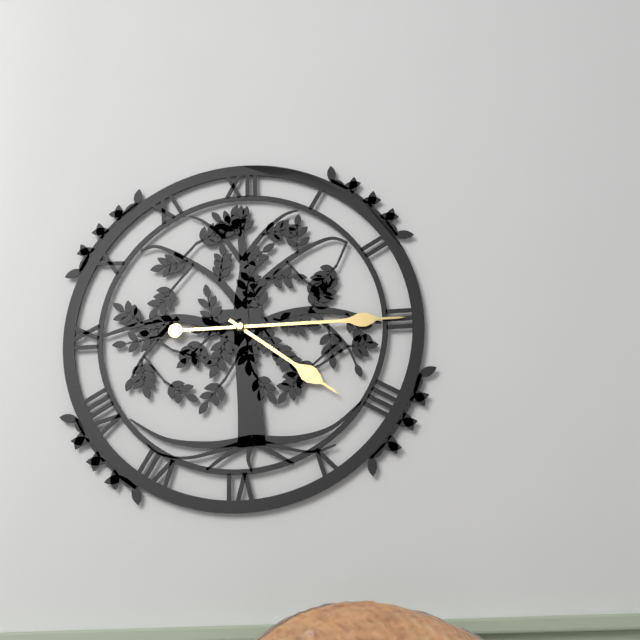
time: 4:15
